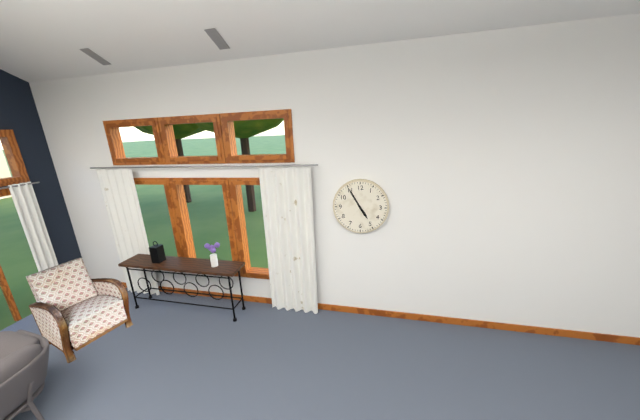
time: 4:55
